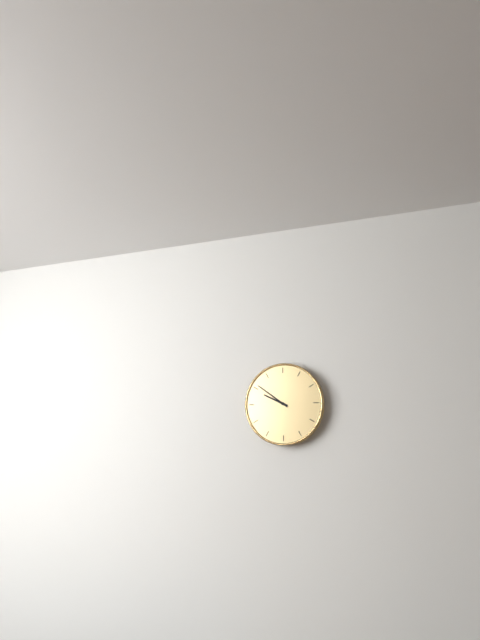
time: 9:51
